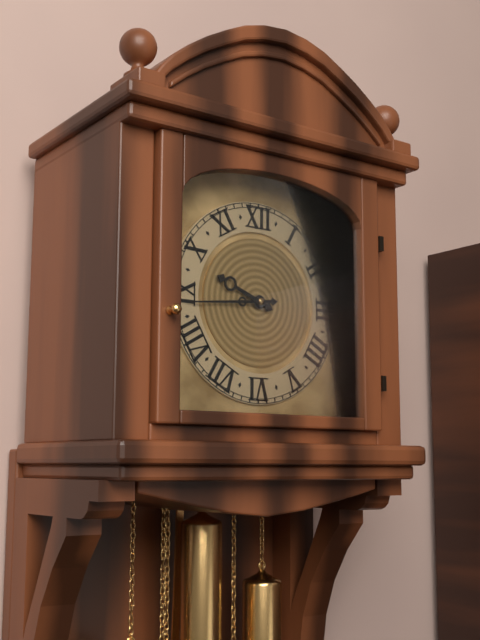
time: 9:44
